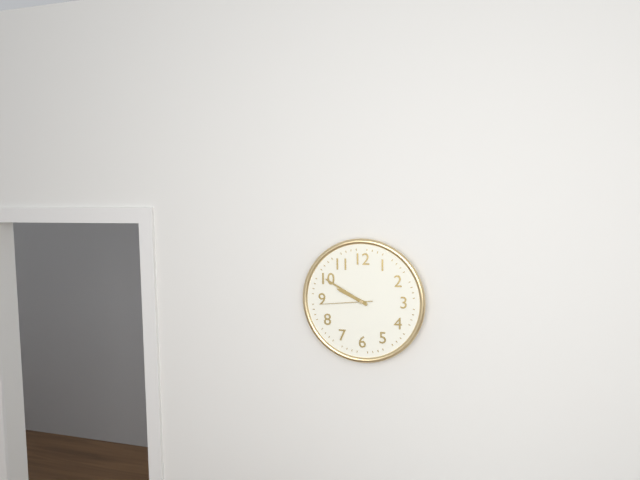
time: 9:50:44
